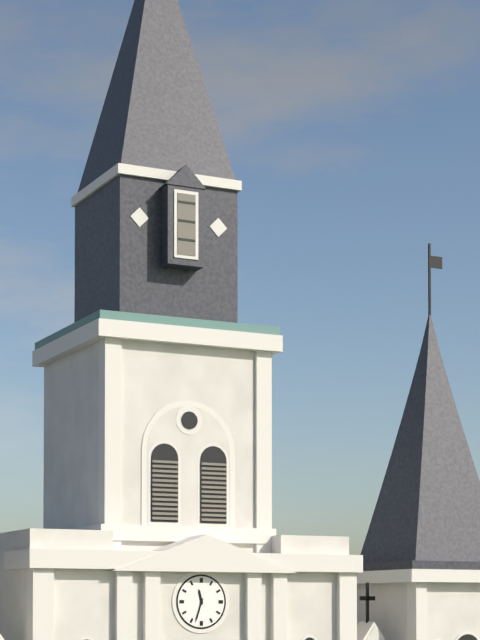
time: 11:33
